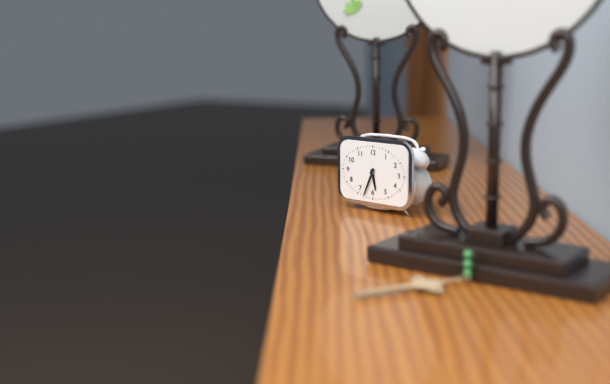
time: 5:34
